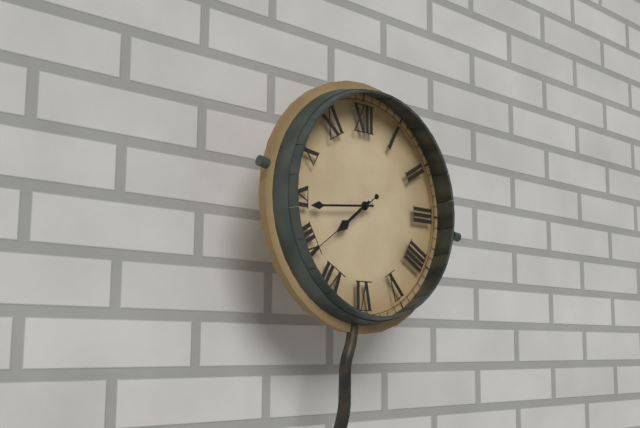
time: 7:44:39
